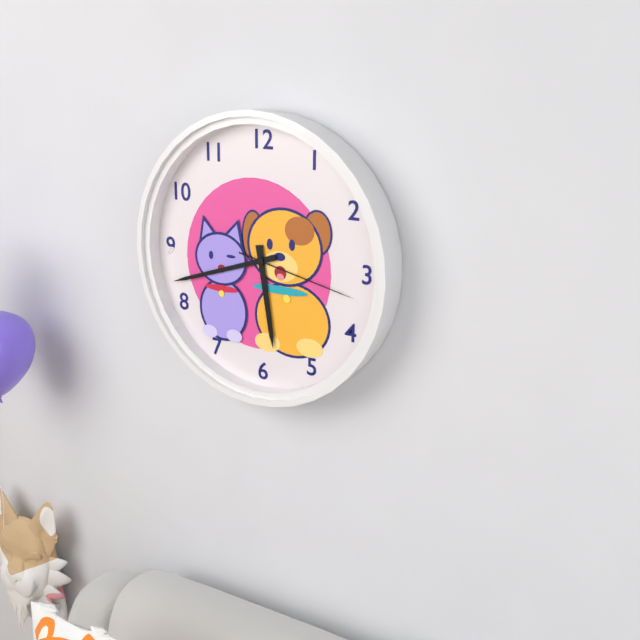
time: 5:42:17
